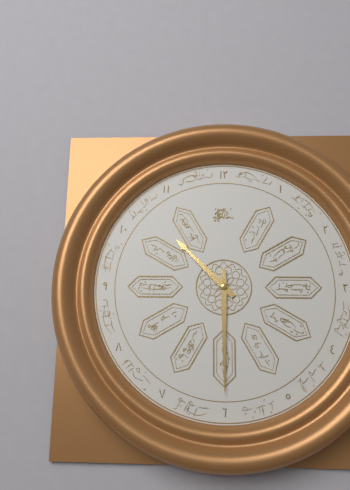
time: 10:30
